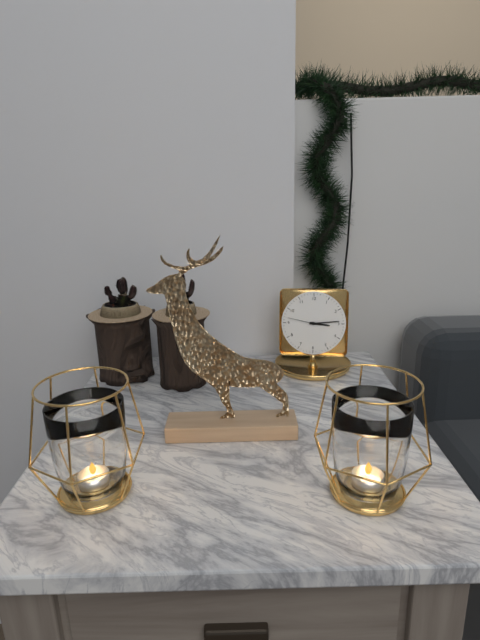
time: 3:14
